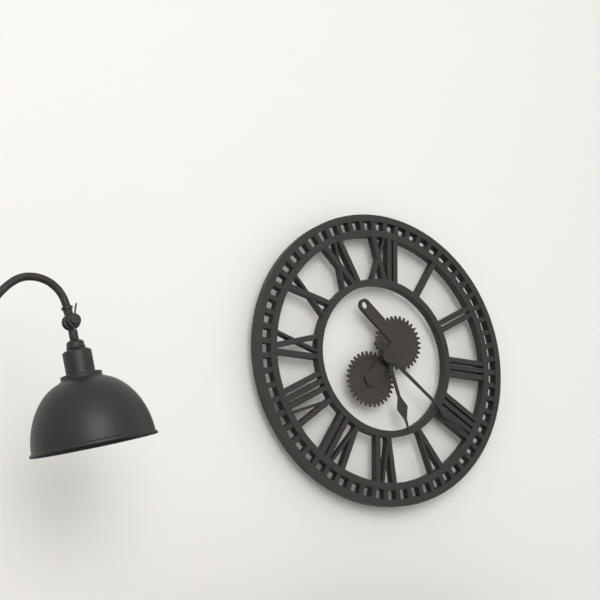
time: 5:21
